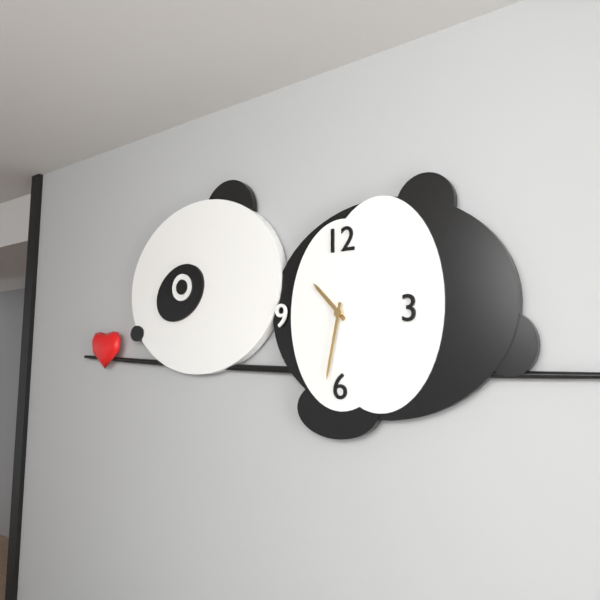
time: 10:32
